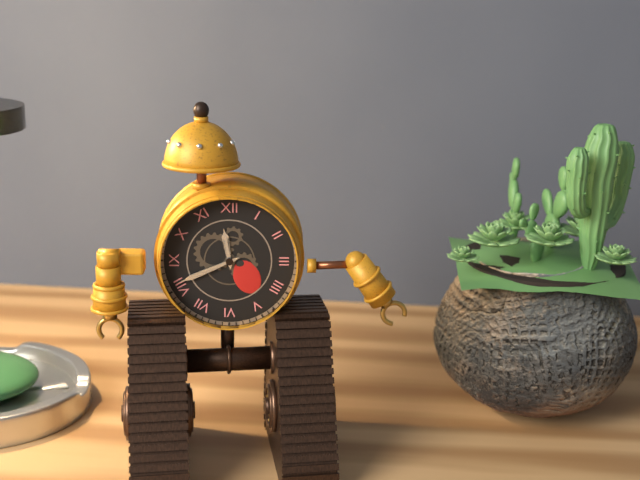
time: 11:41
